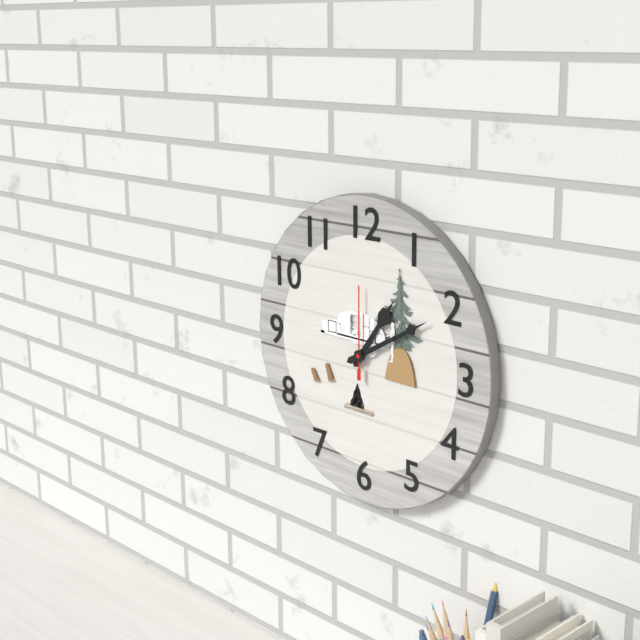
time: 1:10:00
